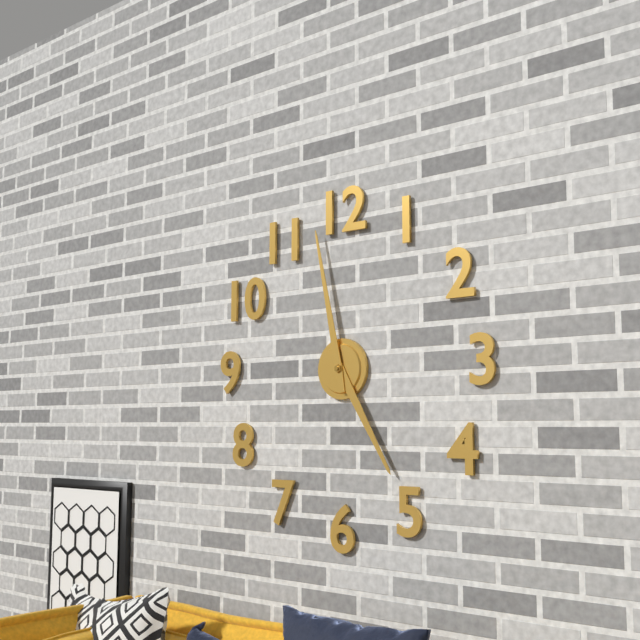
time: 4:58
